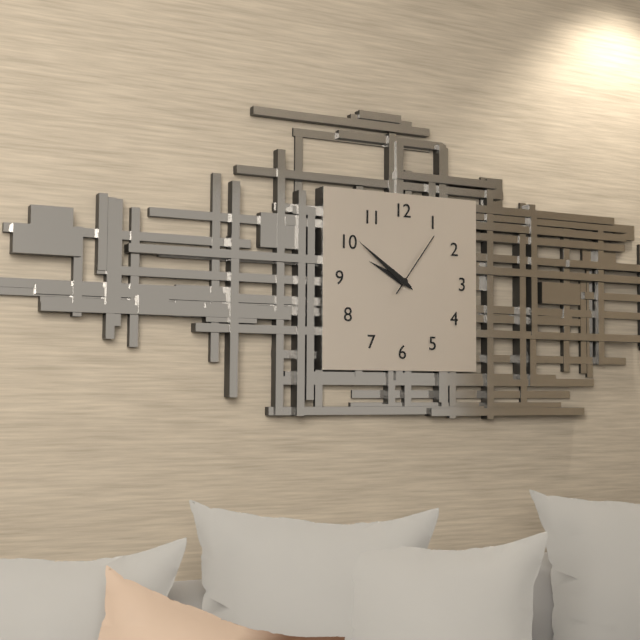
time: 9:51:06
